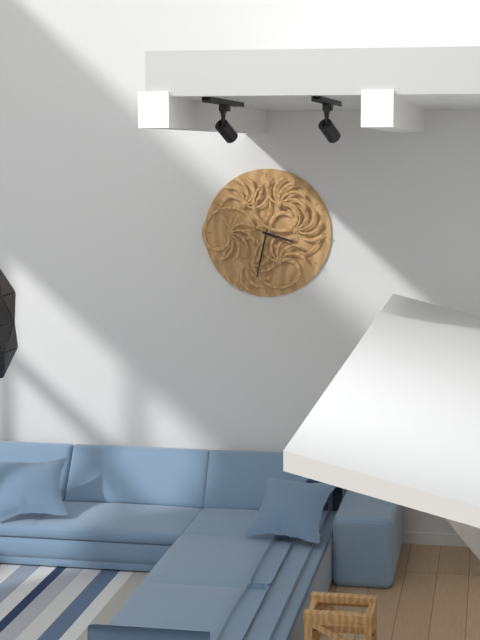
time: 3:32:19
